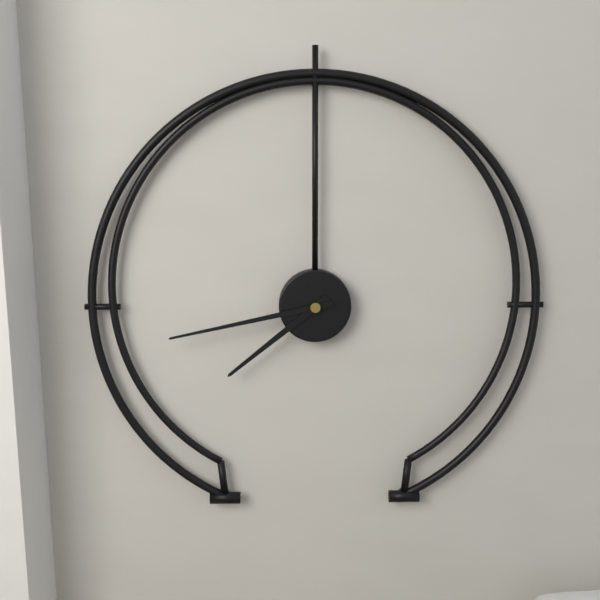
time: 7:43
